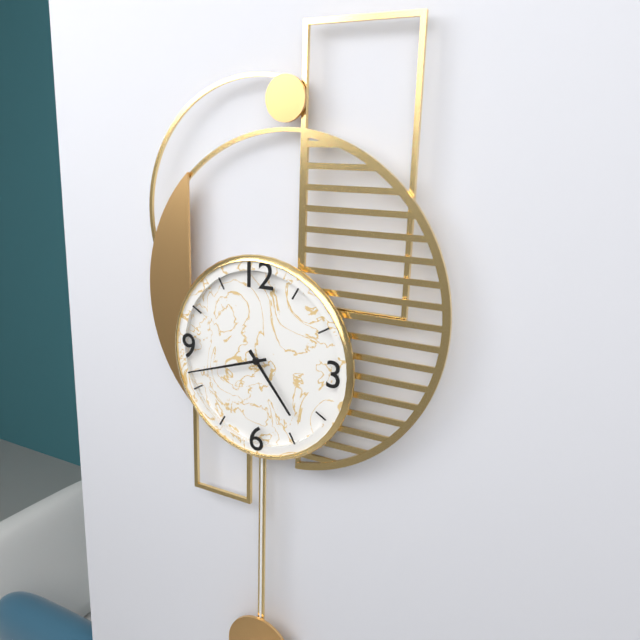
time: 4:42
